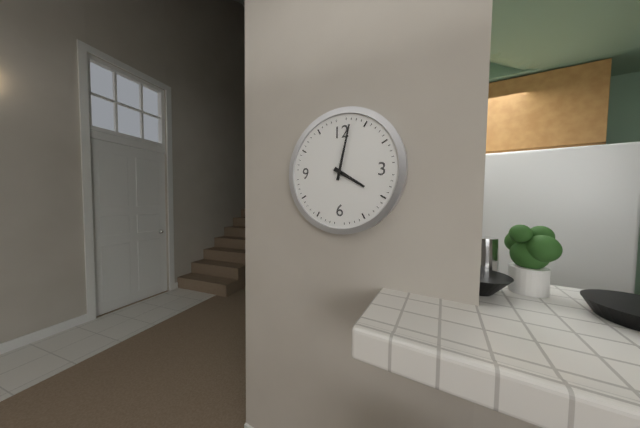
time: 4:02
